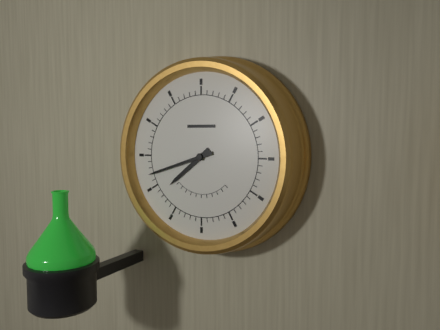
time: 7:42
